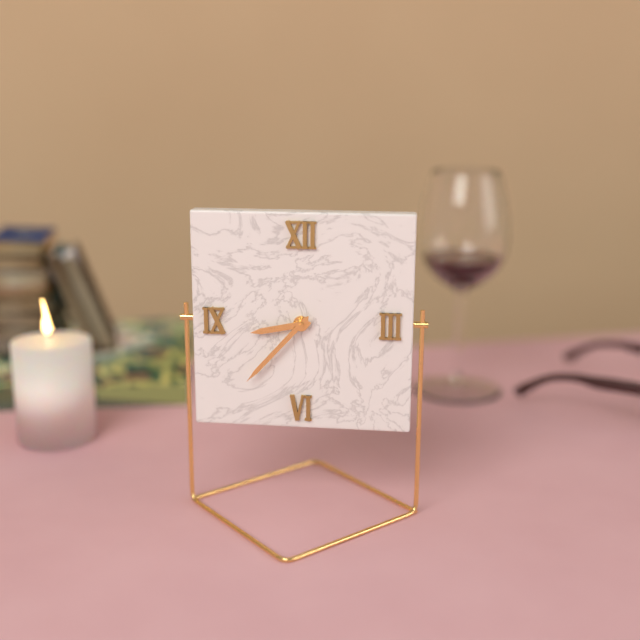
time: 8:37
